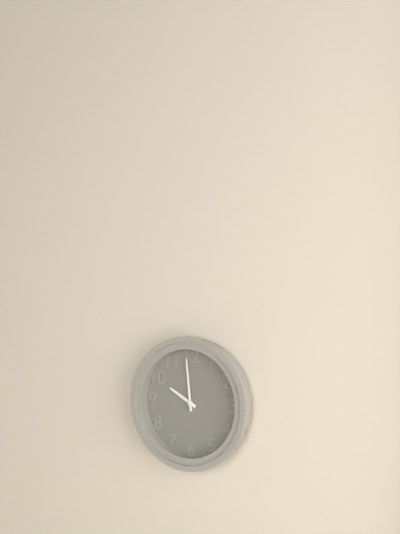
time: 9:59
